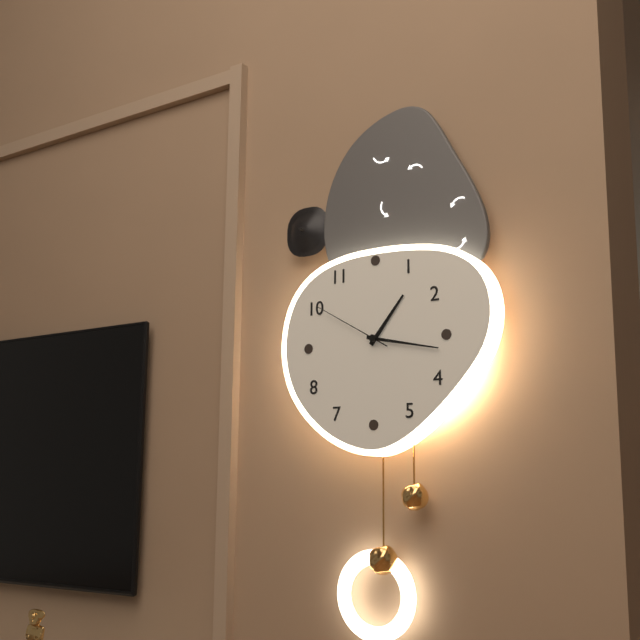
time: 1:17:50
